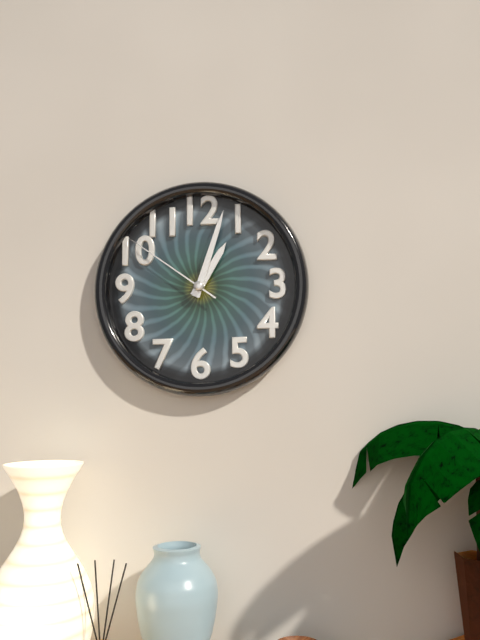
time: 1:03:51
